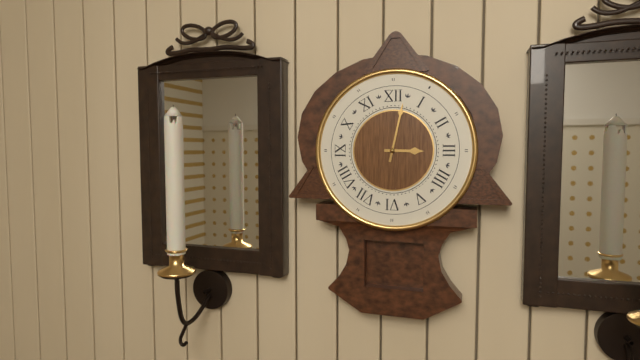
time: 3:02
